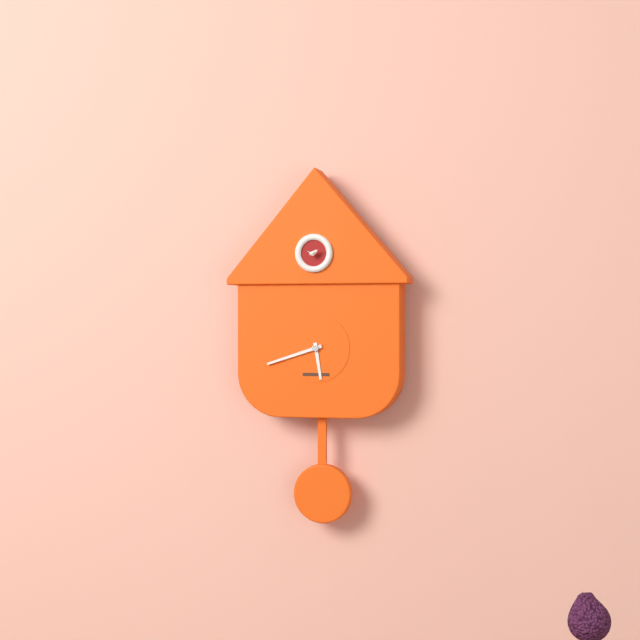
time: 5:42
